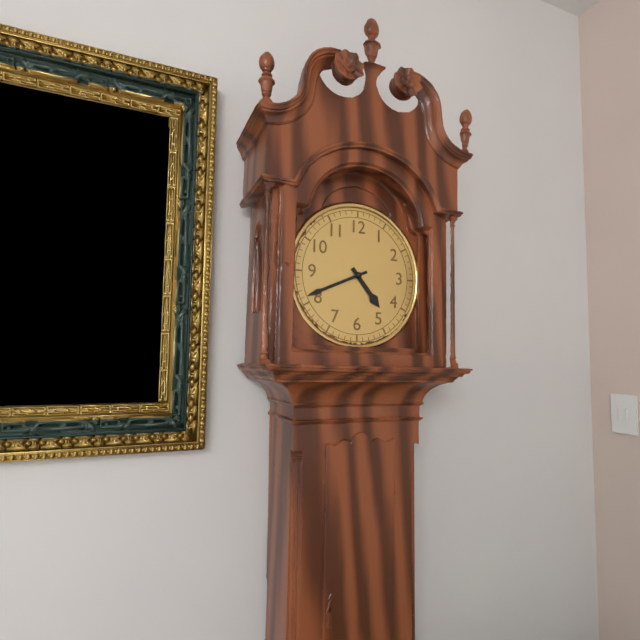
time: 4:41
